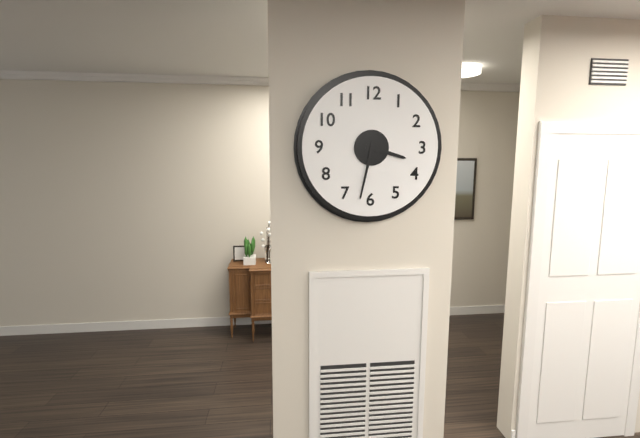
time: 3:32
